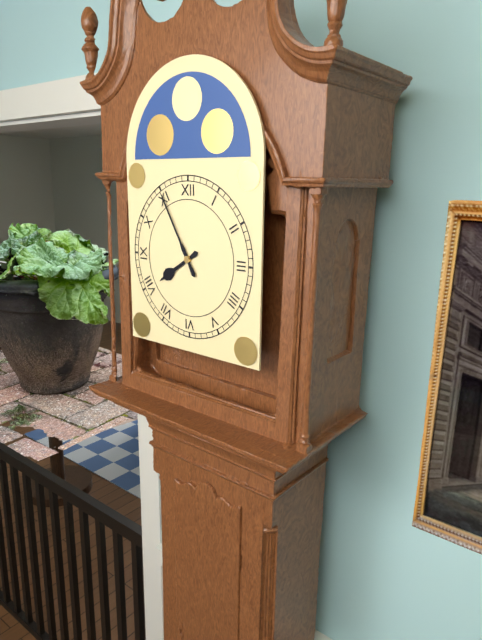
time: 7:55
